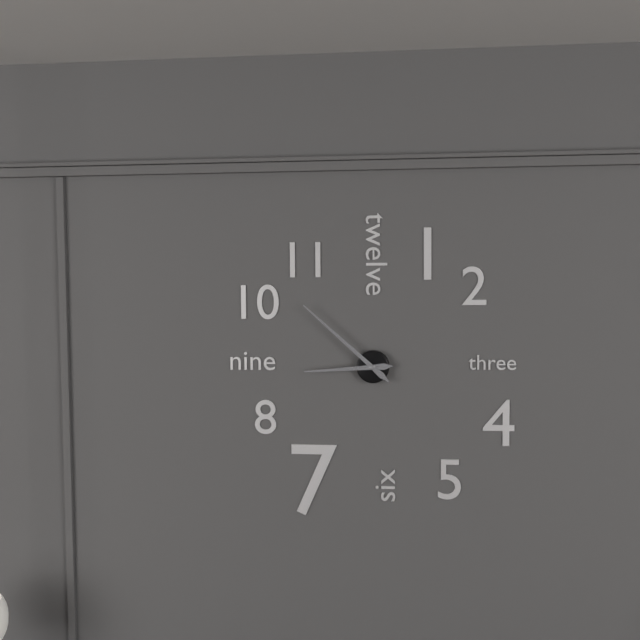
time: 8:52
